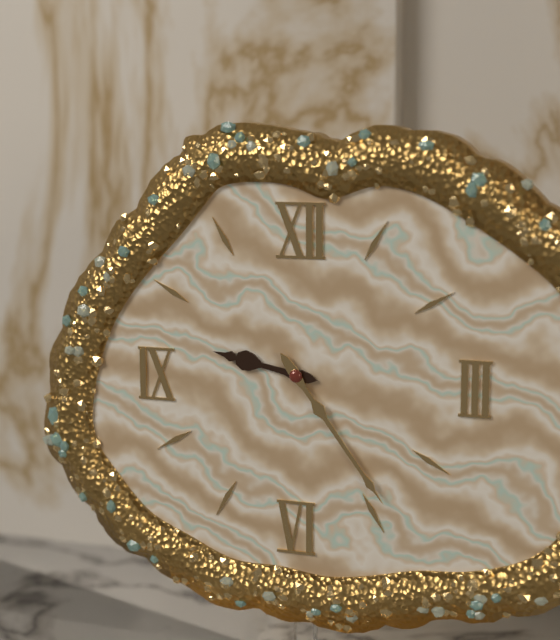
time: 9:24
